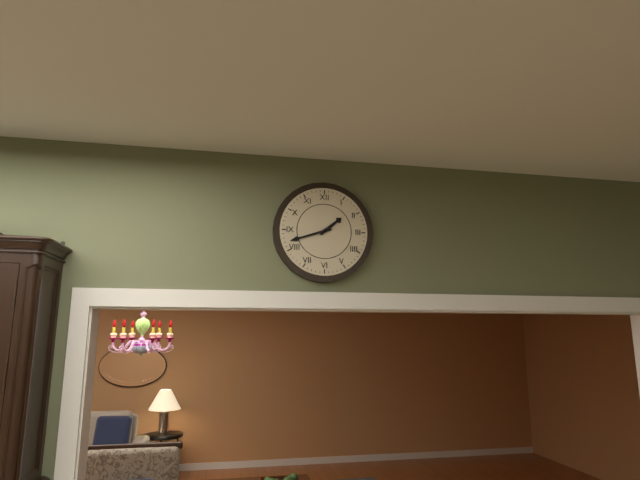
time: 1:42
